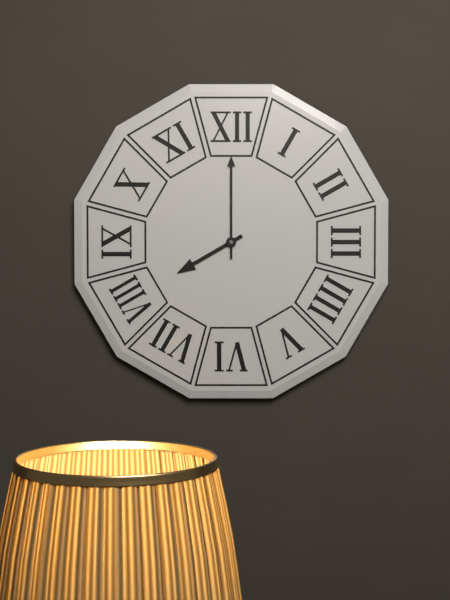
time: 8:00
